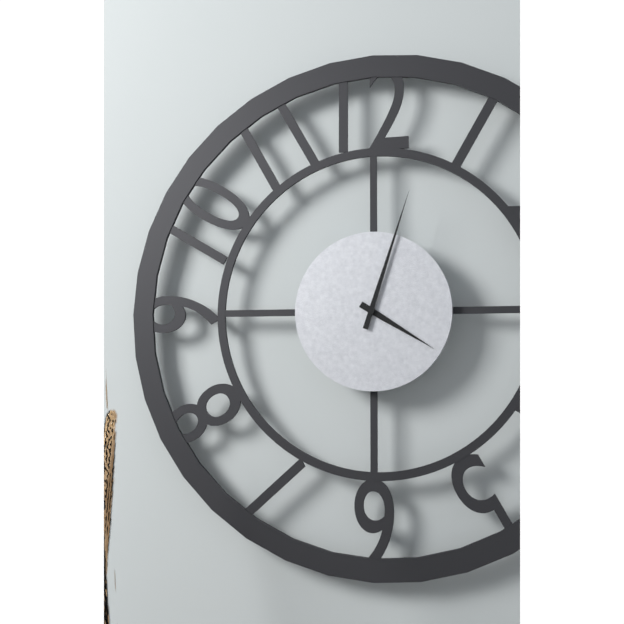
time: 4:03
